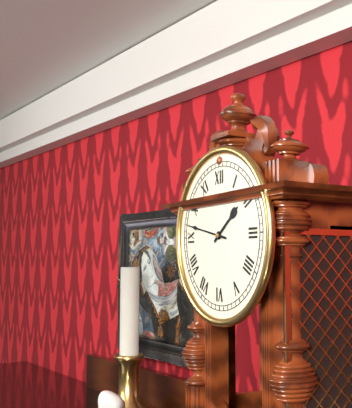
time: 1:47
